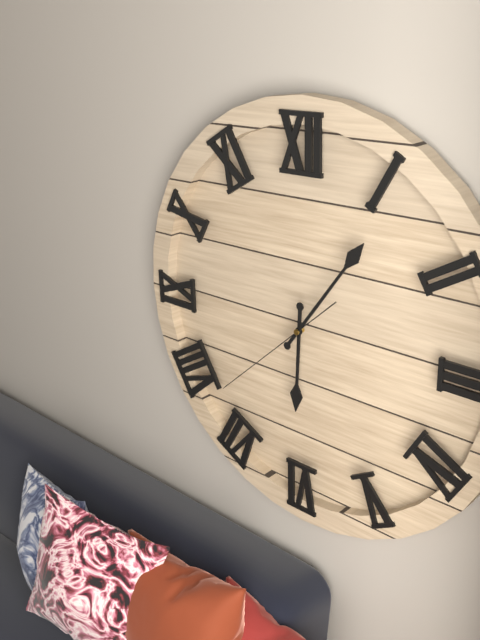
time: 6:06:38
